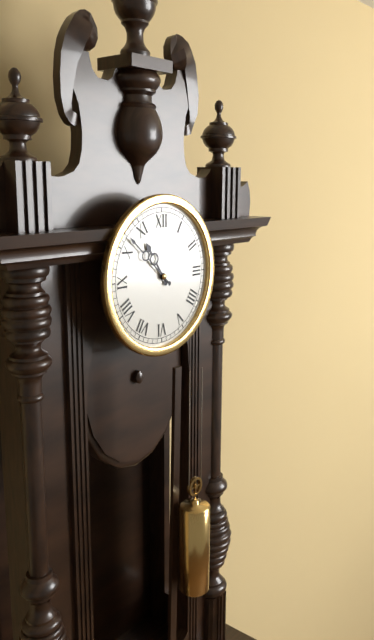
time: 10:52
